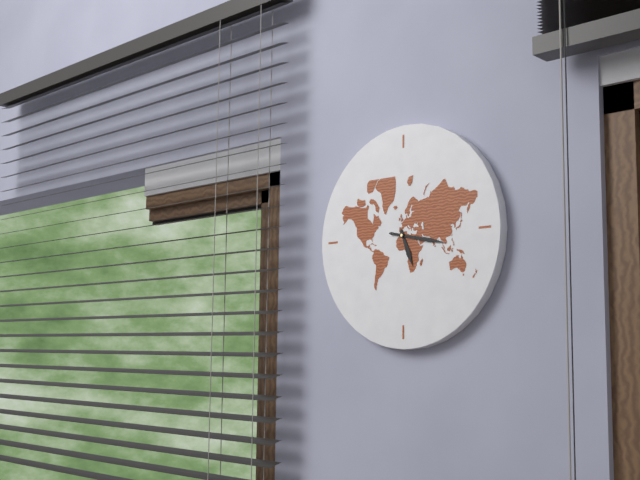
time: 5:17
